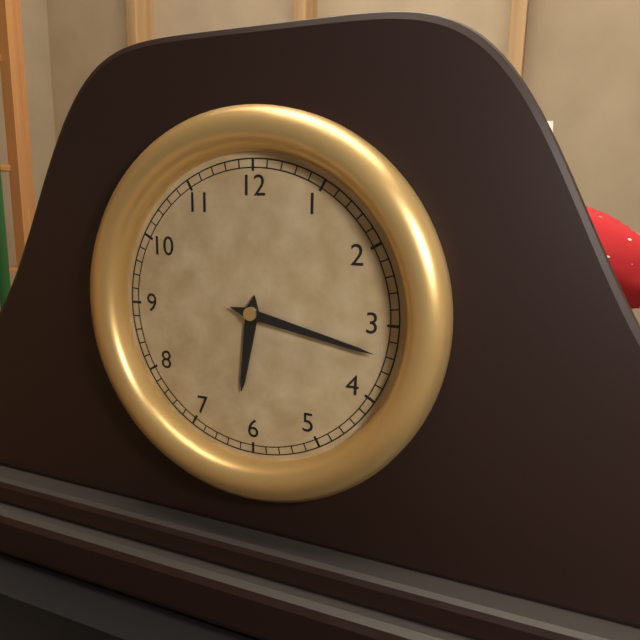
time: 6:17
